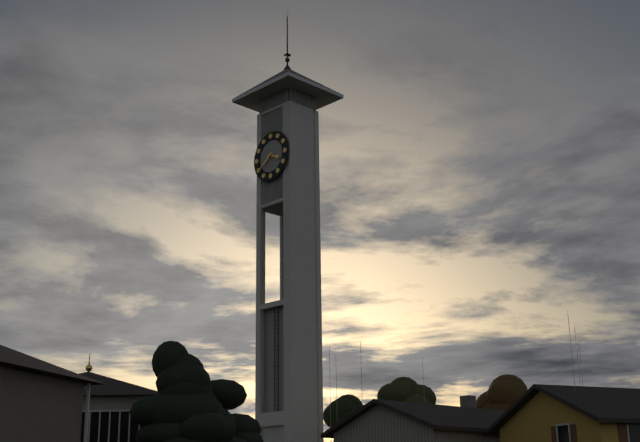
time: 3:39
